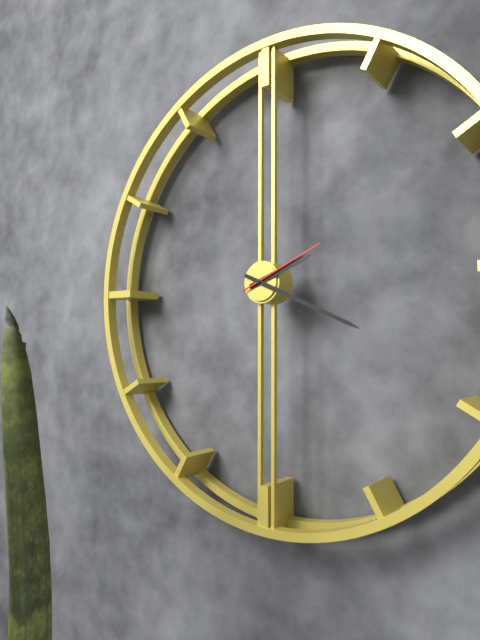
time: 2:19:11
